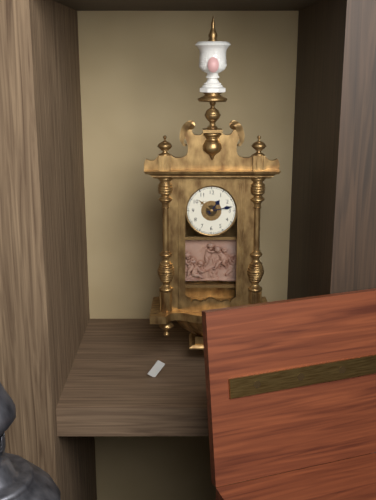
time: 1:13
